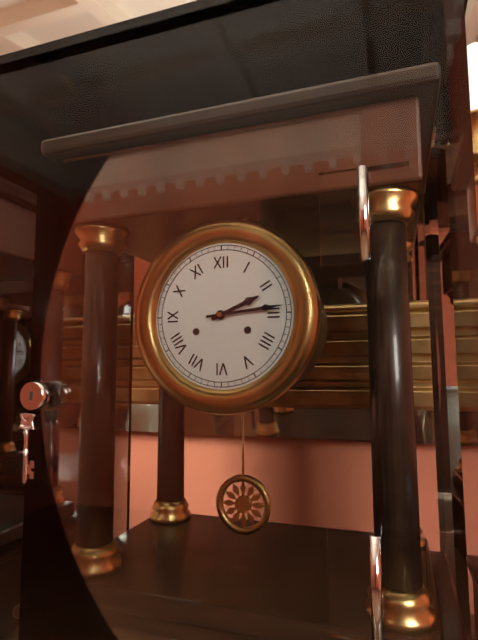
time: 2:14
